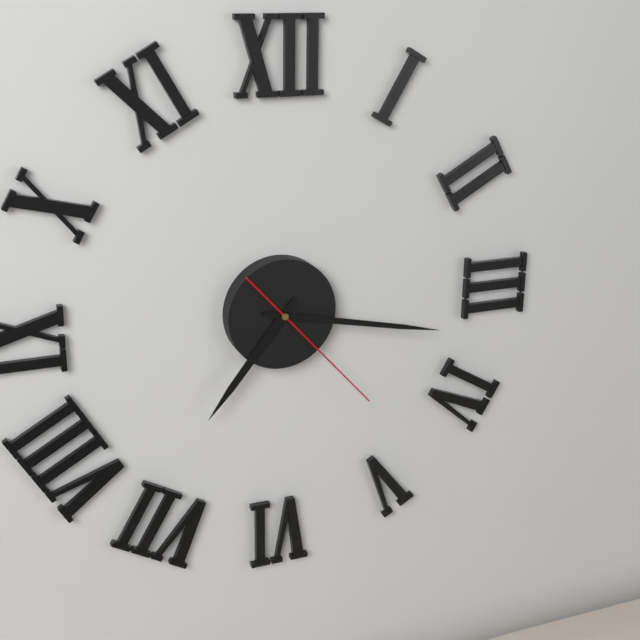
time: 7:17:23
